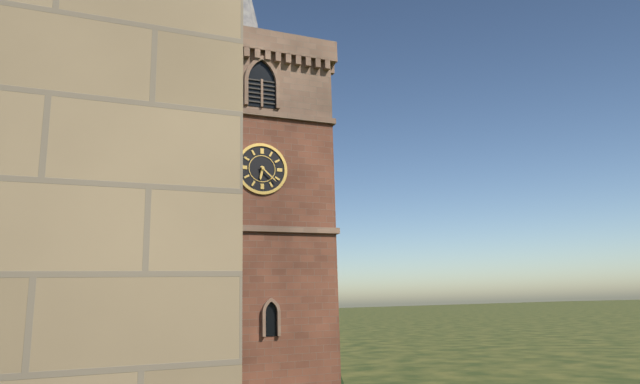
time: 6:22
